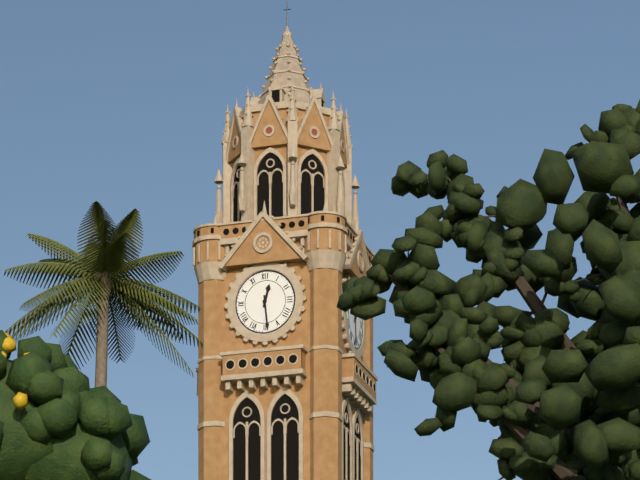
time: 12:29
